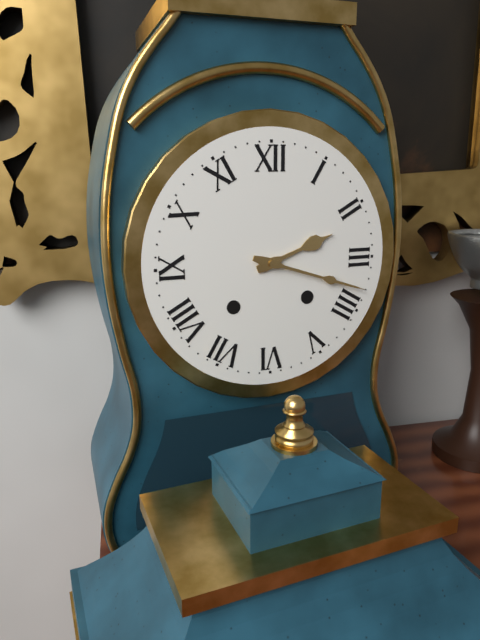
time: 2:18
